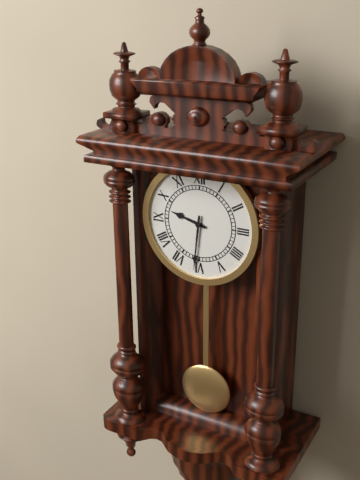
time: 9:31
